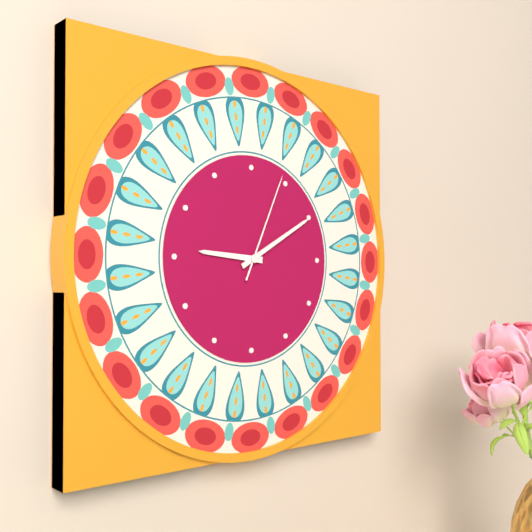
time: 9:10:04
